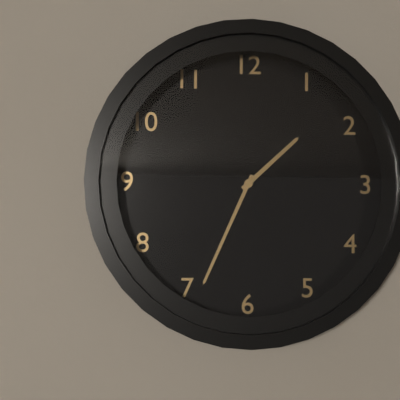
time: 1:34
